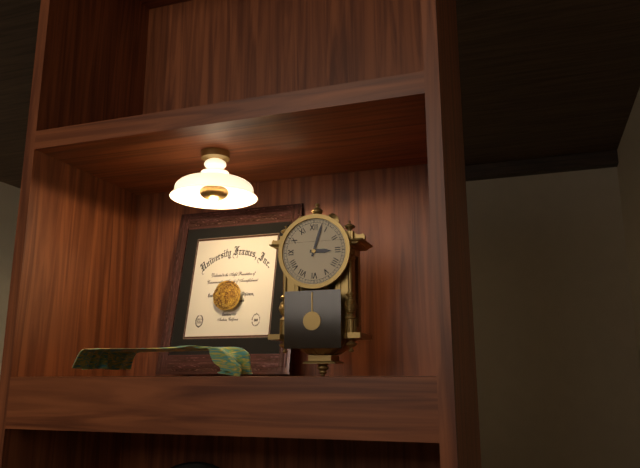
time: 3:03
